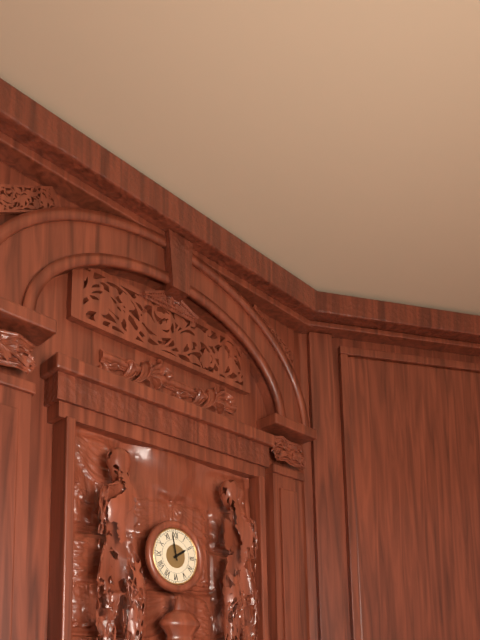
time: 1:58
